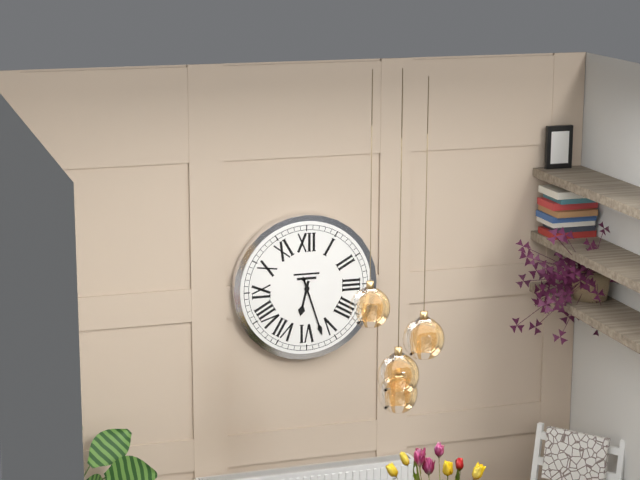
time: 6:27
